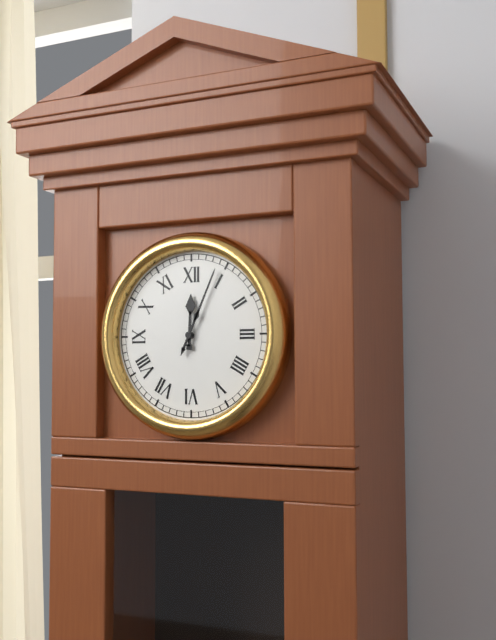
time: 12:04
